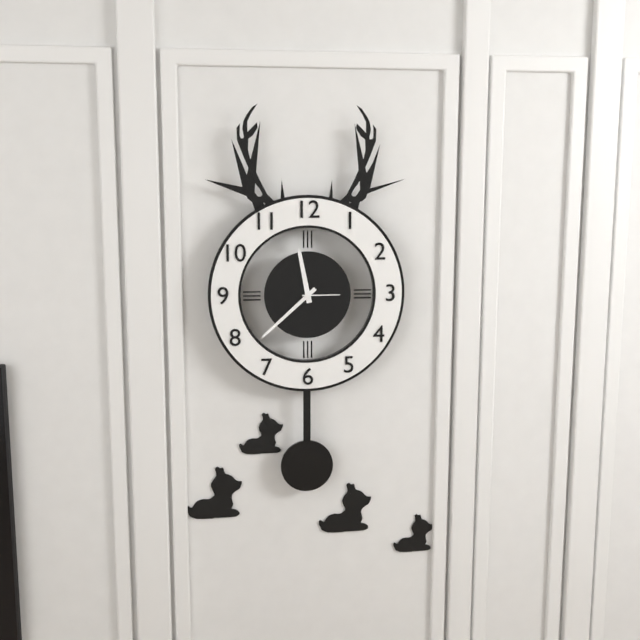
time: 11:38
